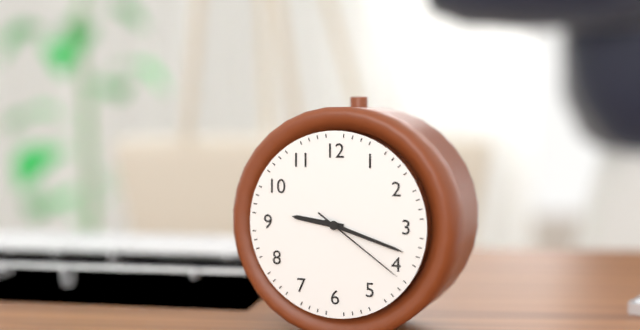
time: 9:18:21
